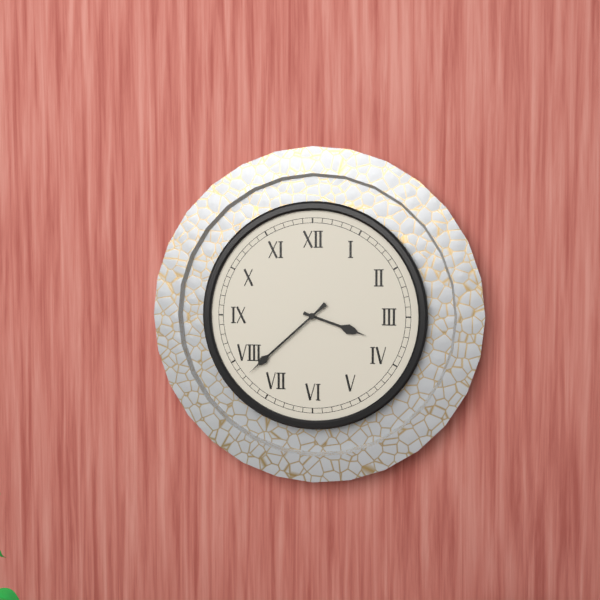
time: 3:38
